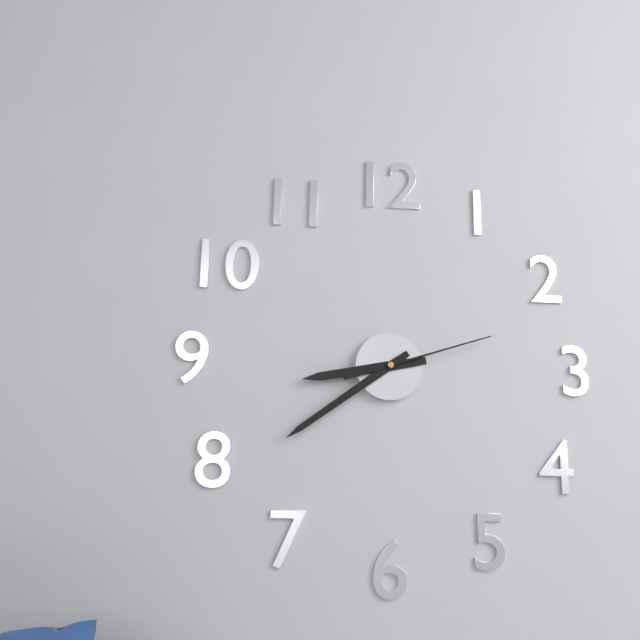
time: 8:39:12
